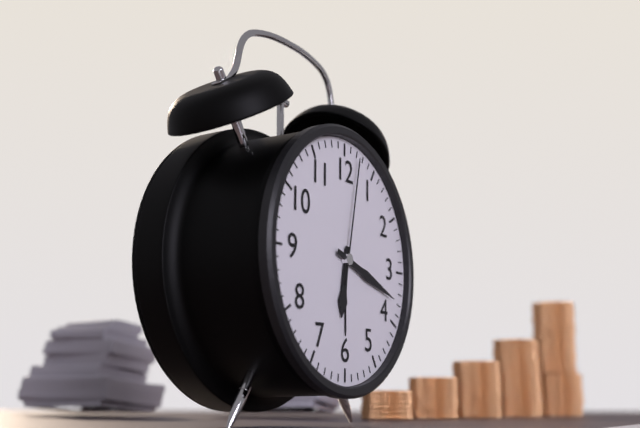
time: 6:18:02
